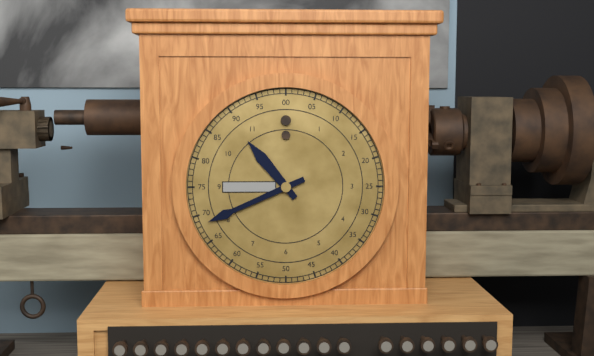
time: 10:41
